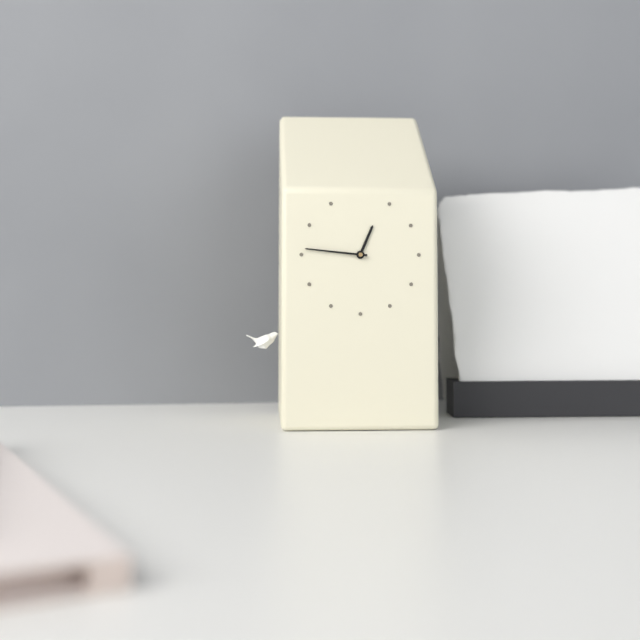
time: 12:46
